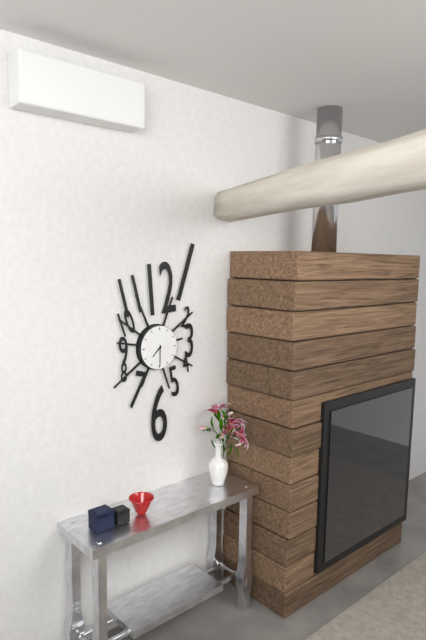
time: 7:30
